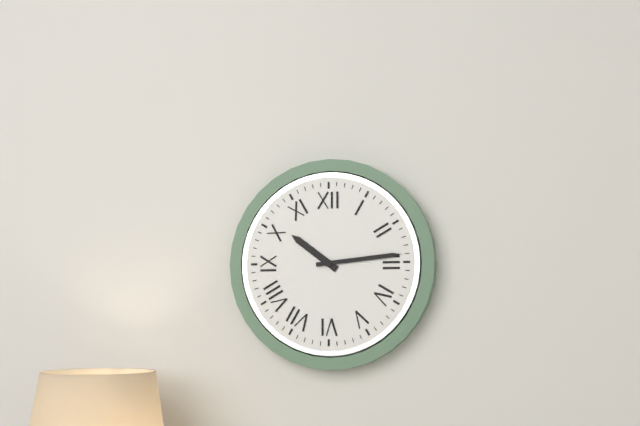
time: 10:14
